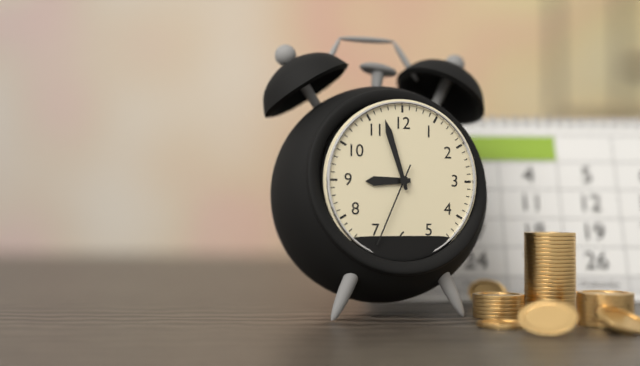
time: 8:57:34
